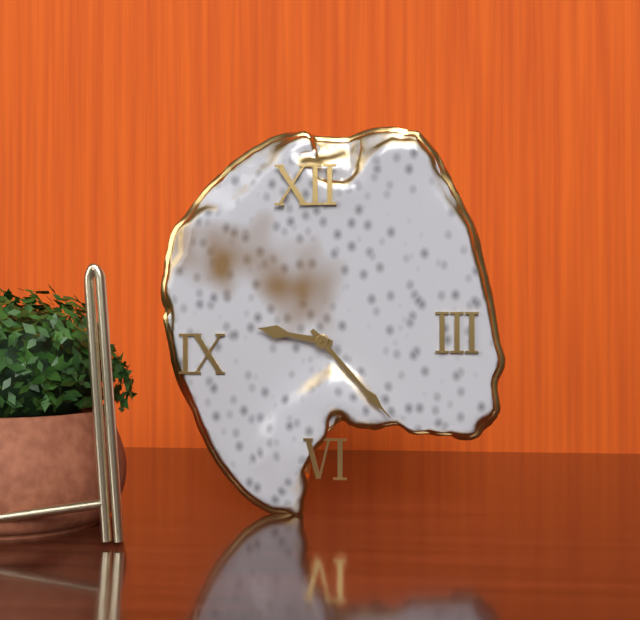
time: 9:23
